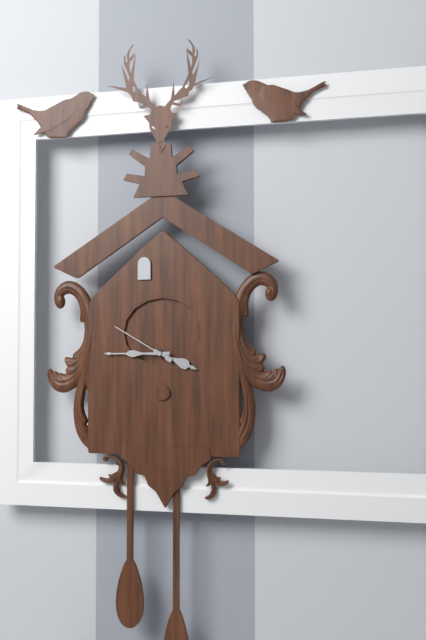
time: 3:45:50
